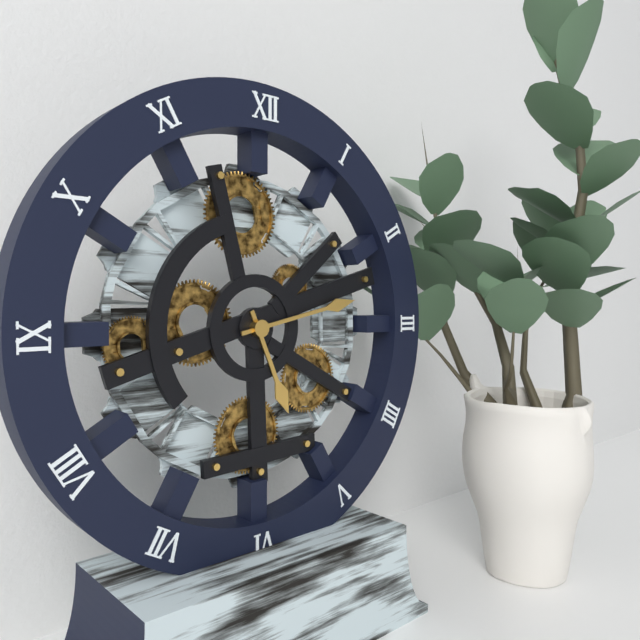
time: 5:13
